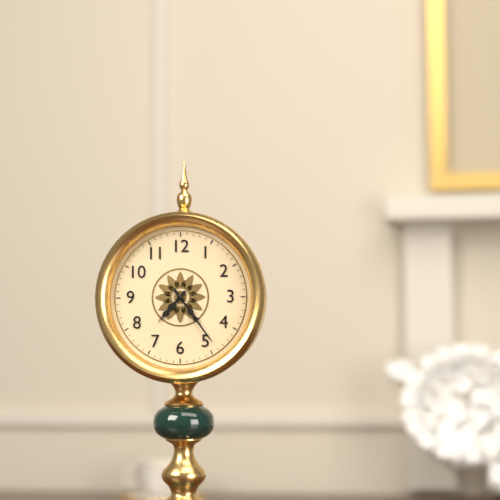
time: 7:24
